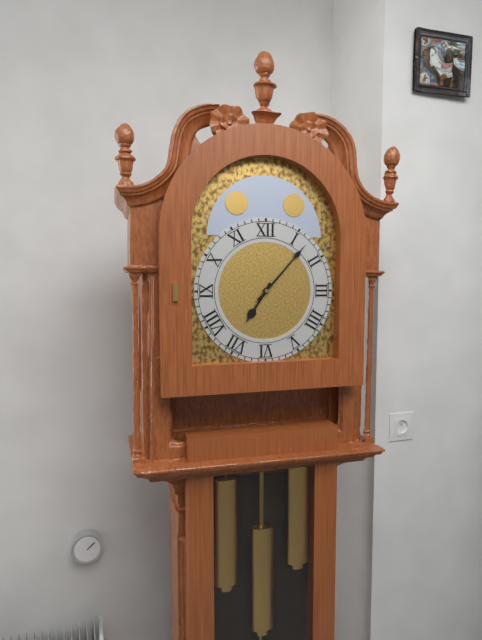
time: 7:07
